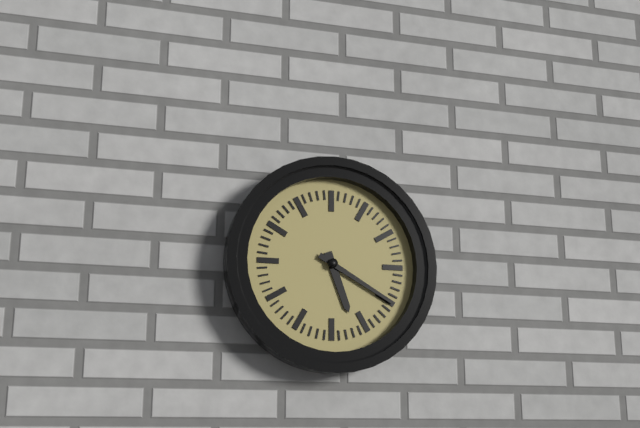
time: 5:20
